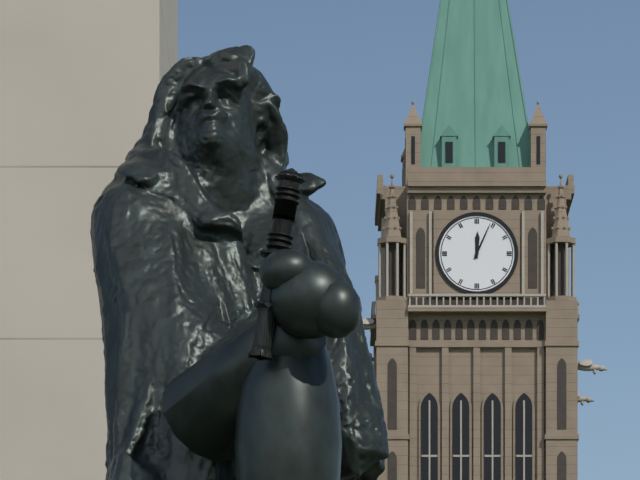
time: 12:04
